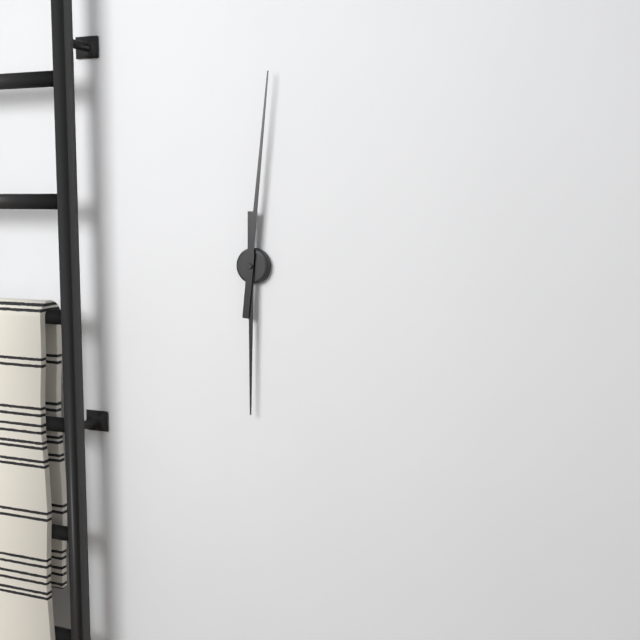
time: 6:01
